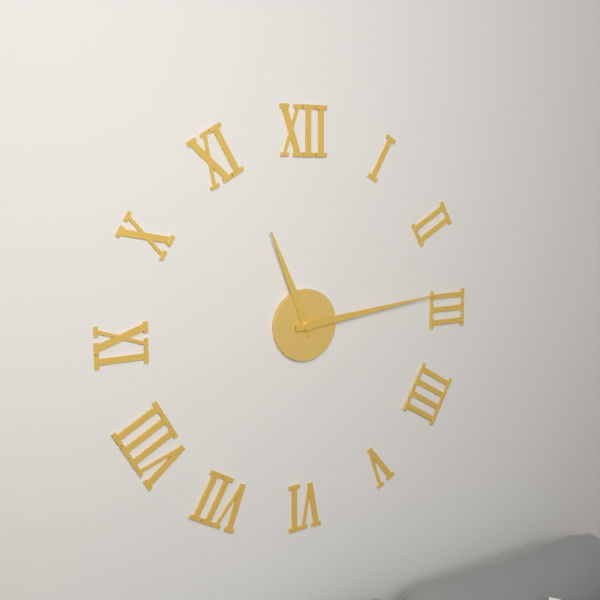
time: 11:14
